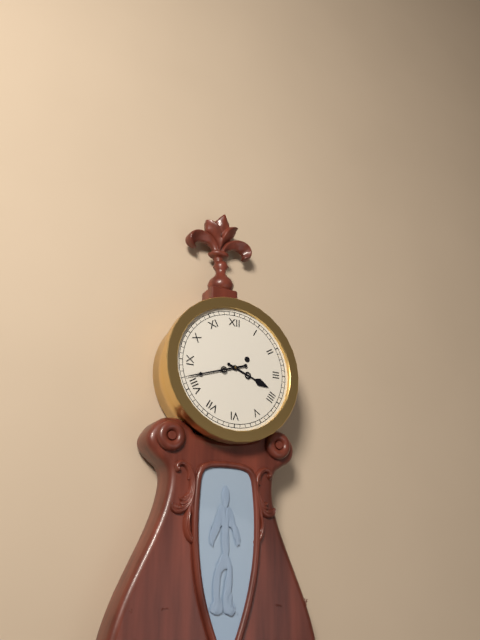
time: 3:42
